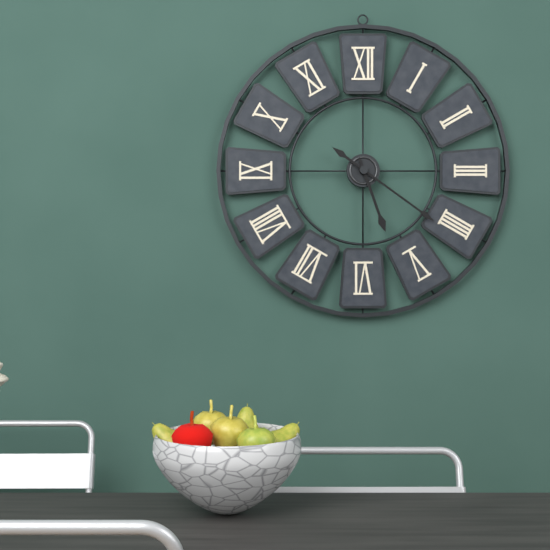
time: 5:21
